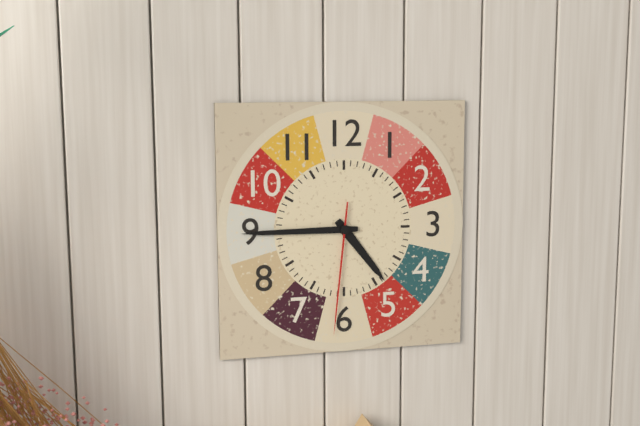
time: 4:45:31
